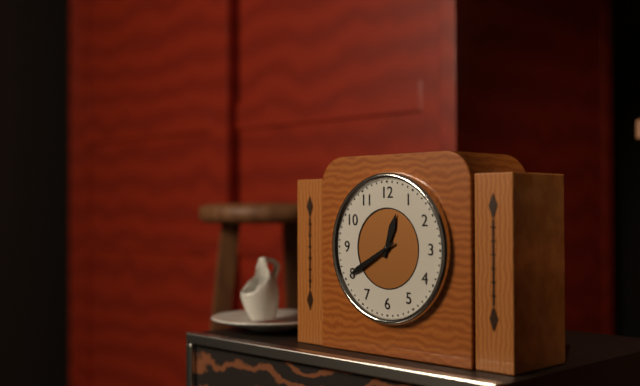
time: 12:40
